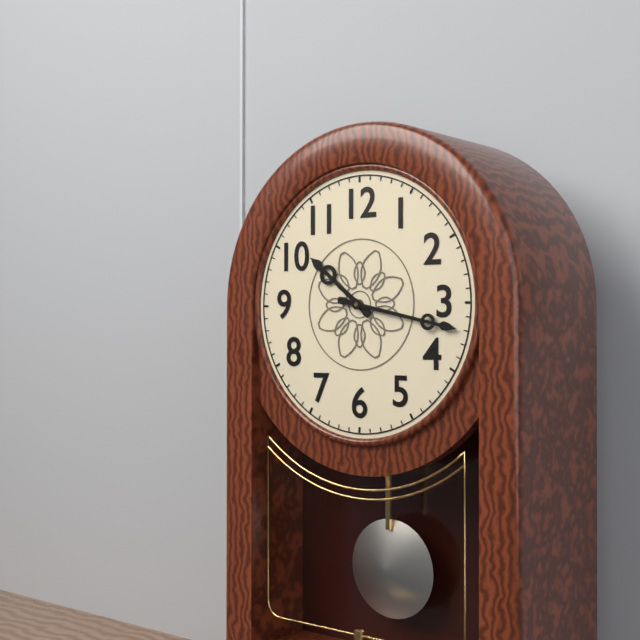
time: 10:17
